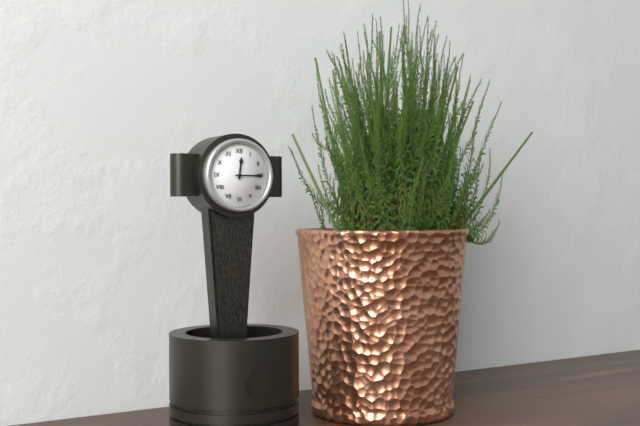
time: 12:15
